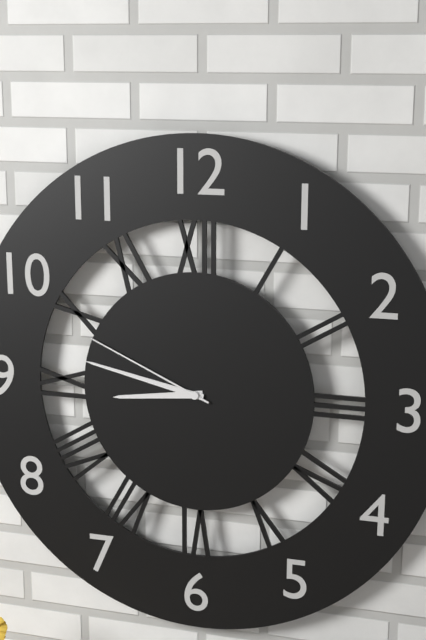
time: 8:47:49
